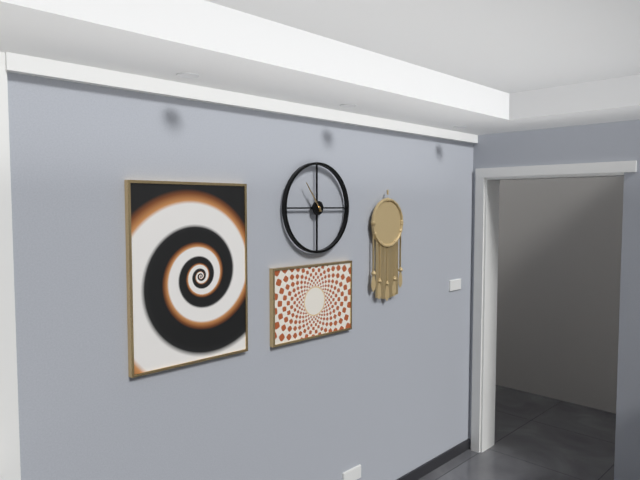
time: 10:54
